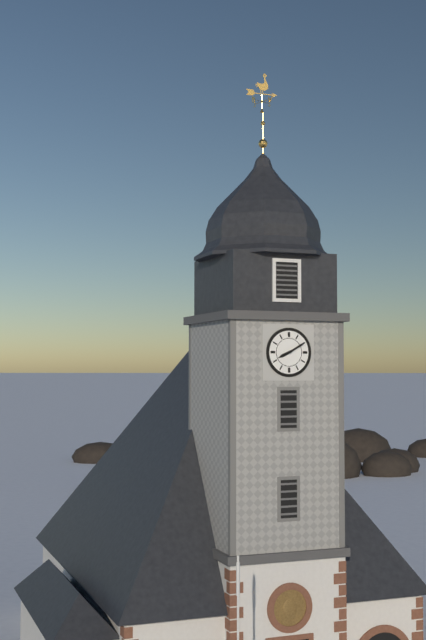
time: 8:10
